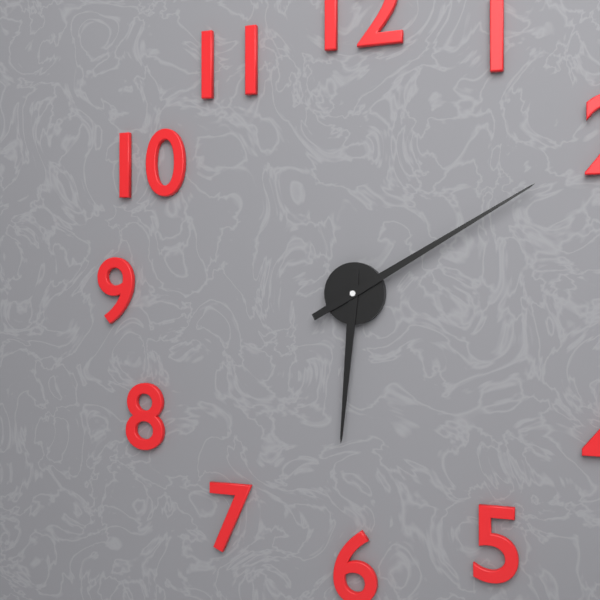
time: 6:10
